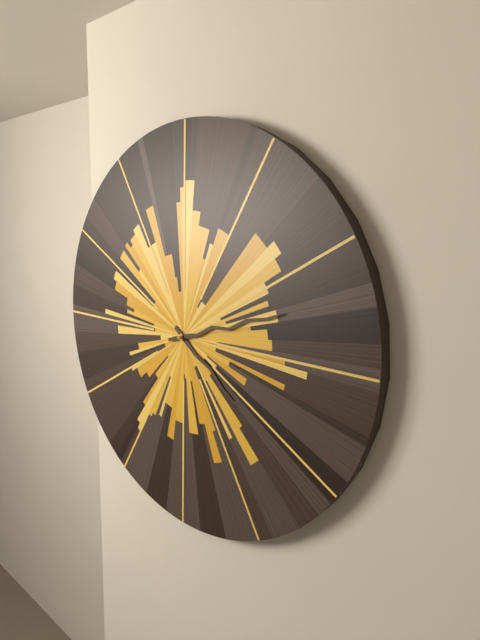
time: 4:12
